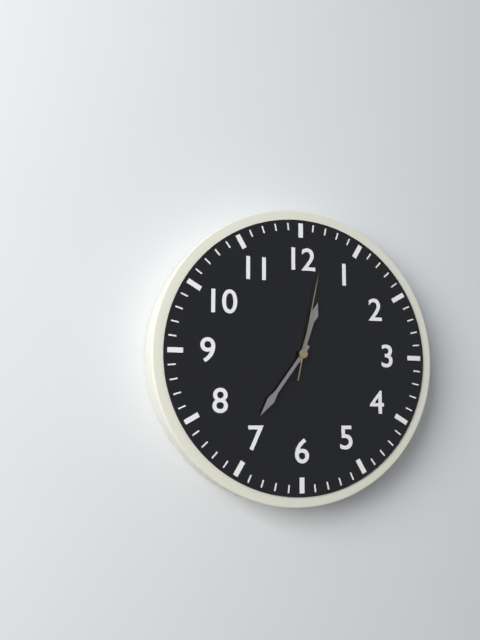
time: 12:36:02
